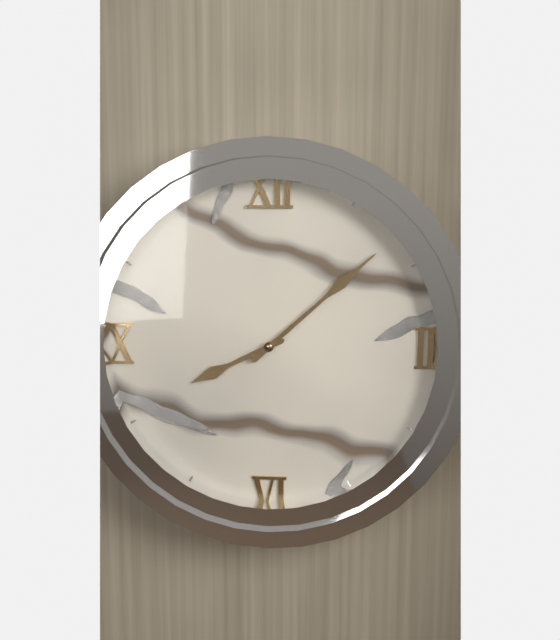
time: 8:08
